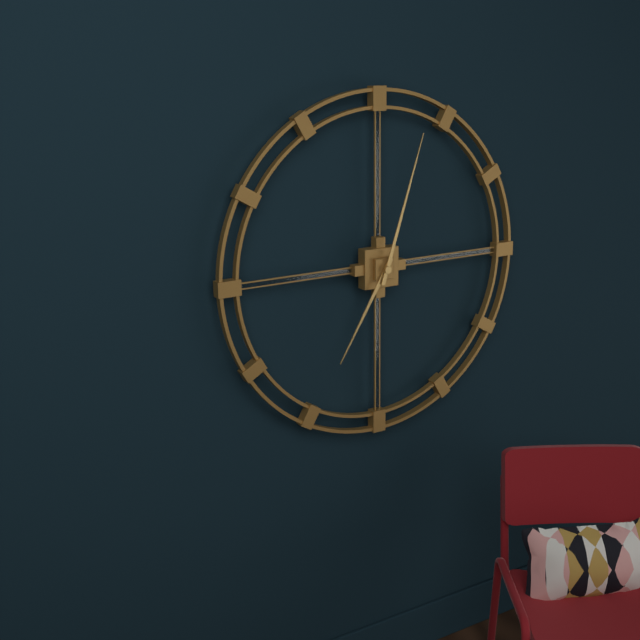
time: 7:03
